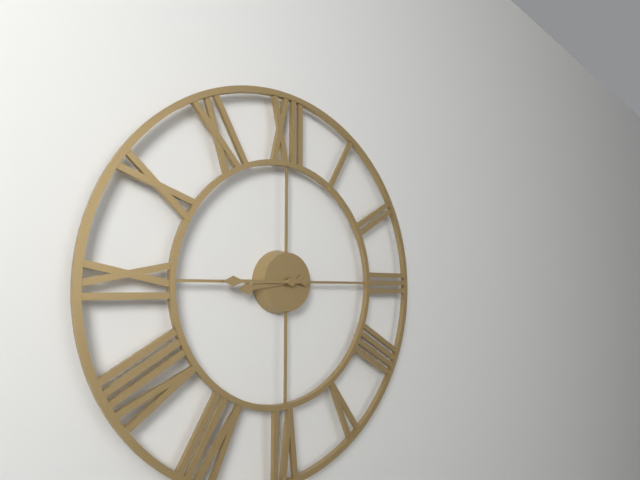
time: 8:45
